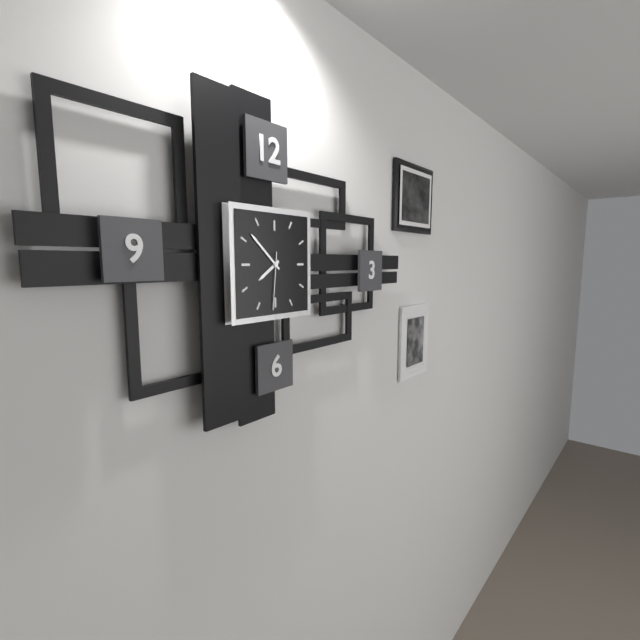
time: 7:52:31
